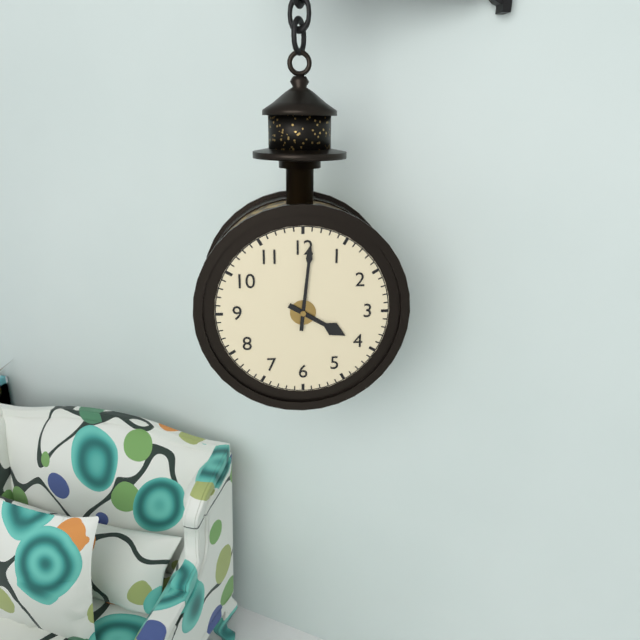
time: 4:01
